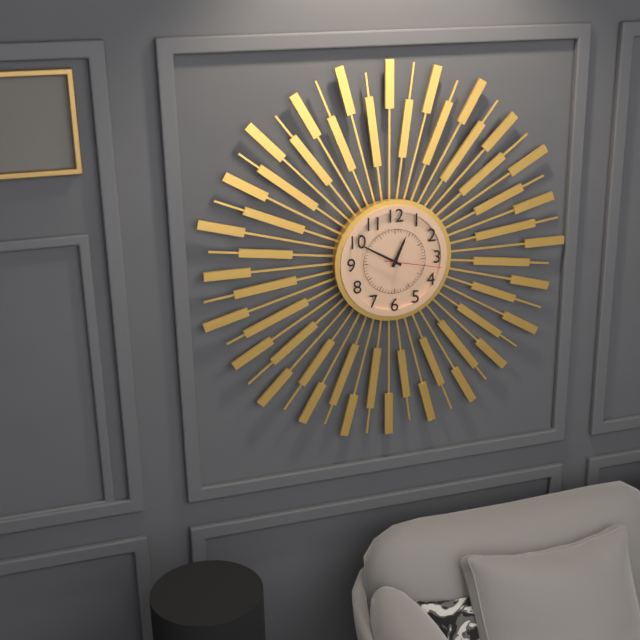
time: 12:50:17
